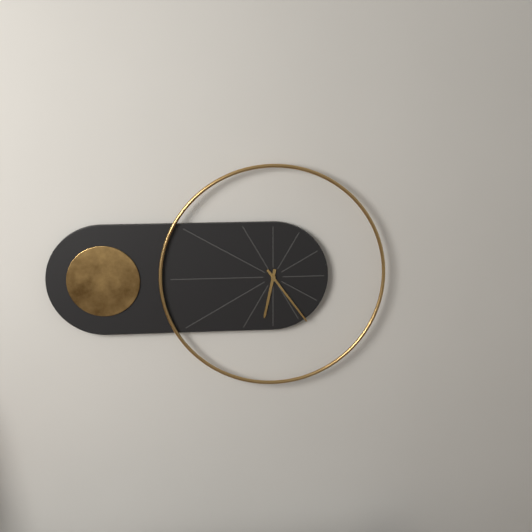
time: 6:24
